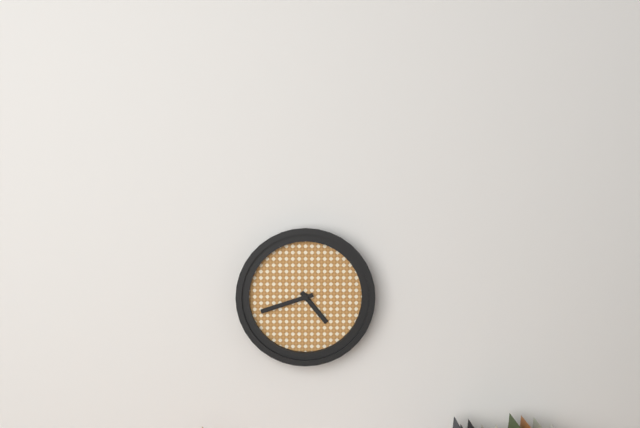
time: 4:42
